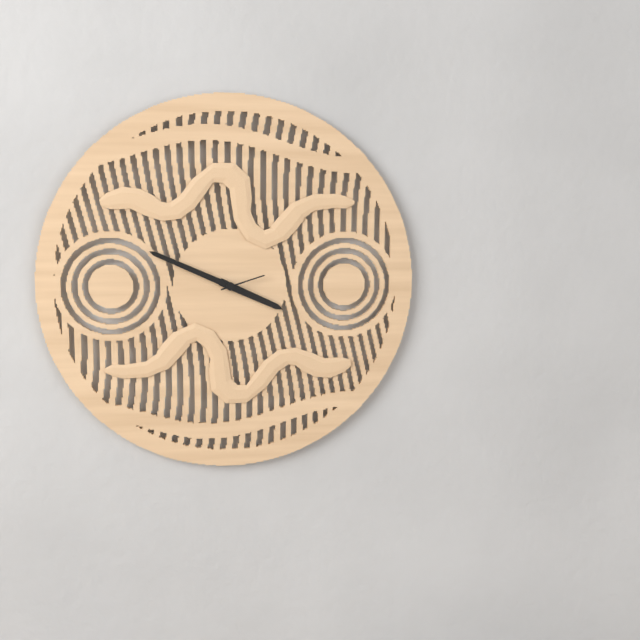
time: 3:49
